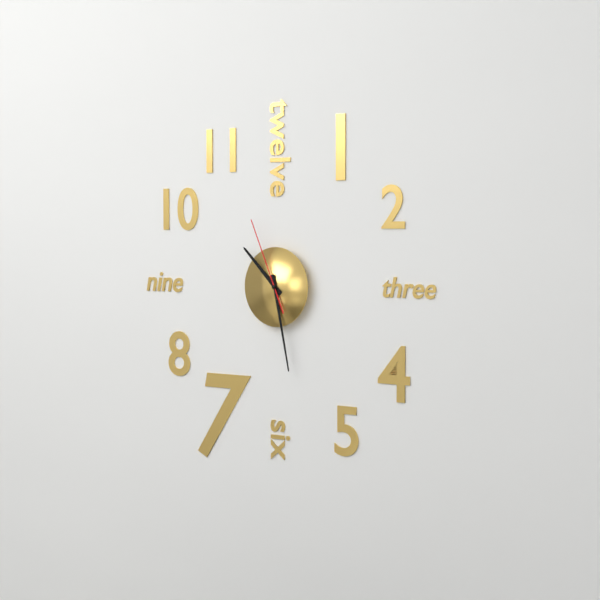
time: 10:28:56
